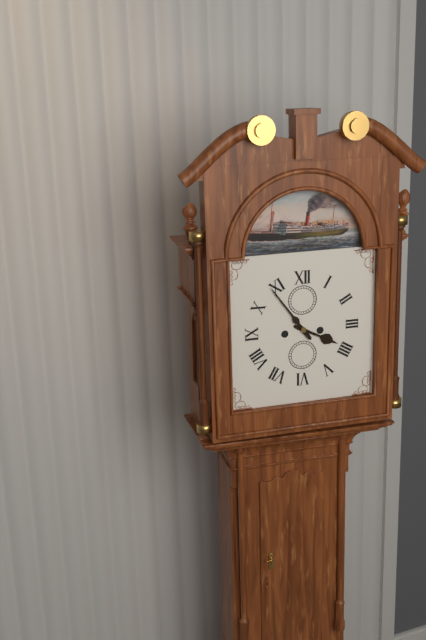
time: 3:54
